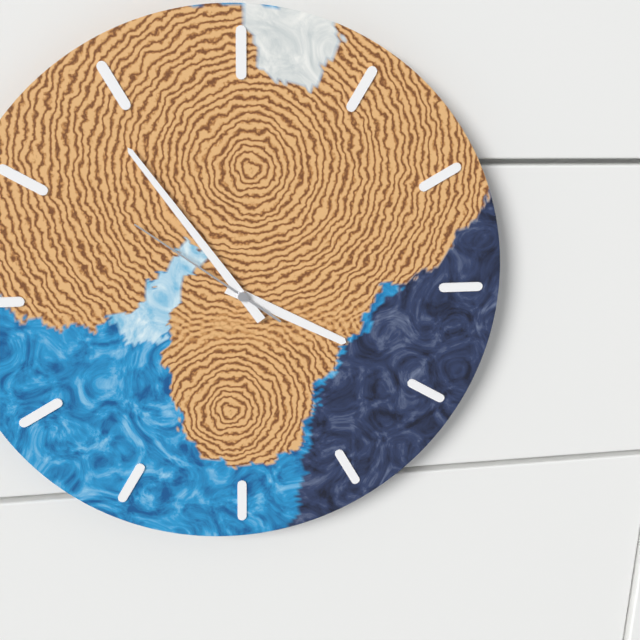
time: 3:54:51
